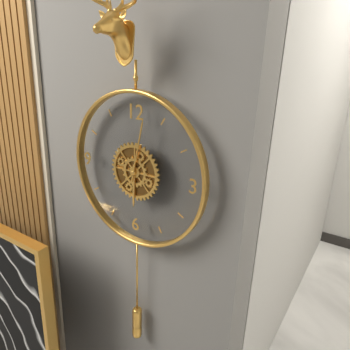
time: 6:02
